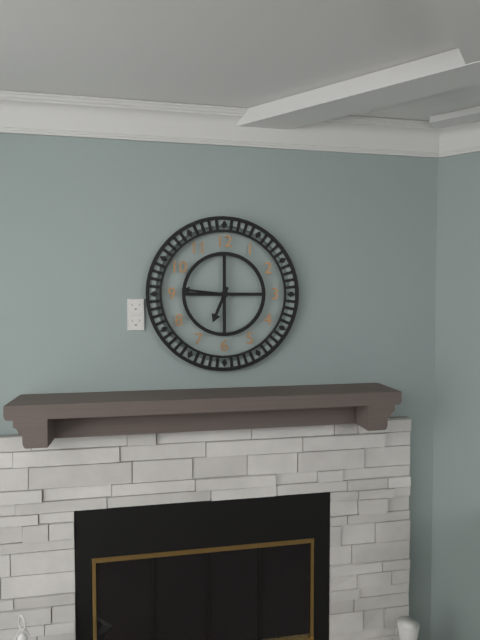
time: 6:46
